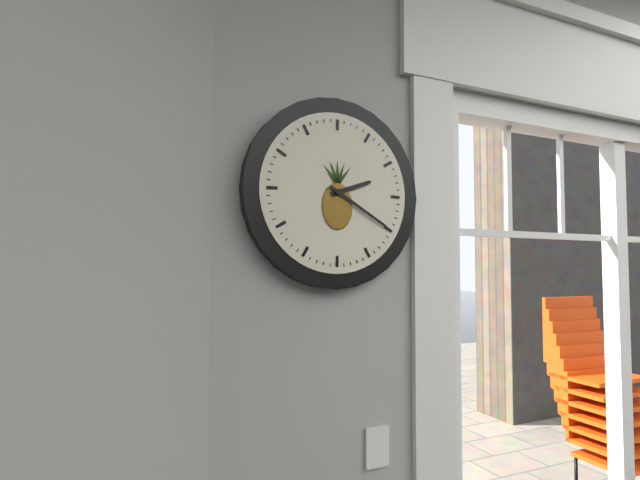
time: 2:20
